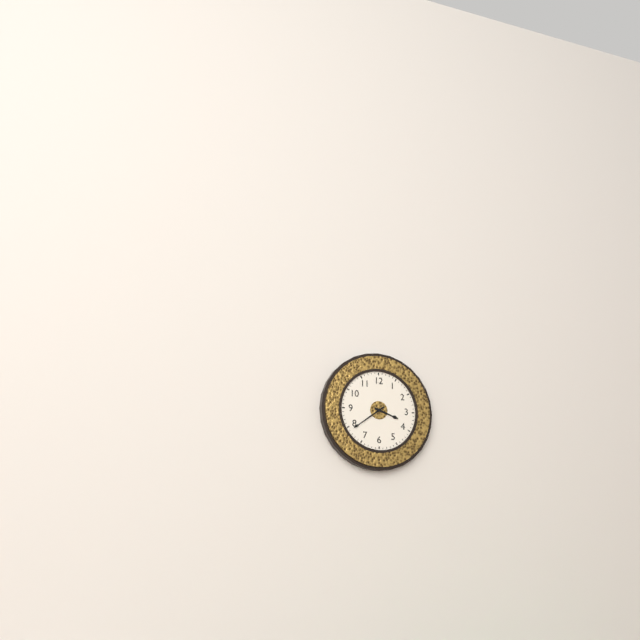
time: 3:39
